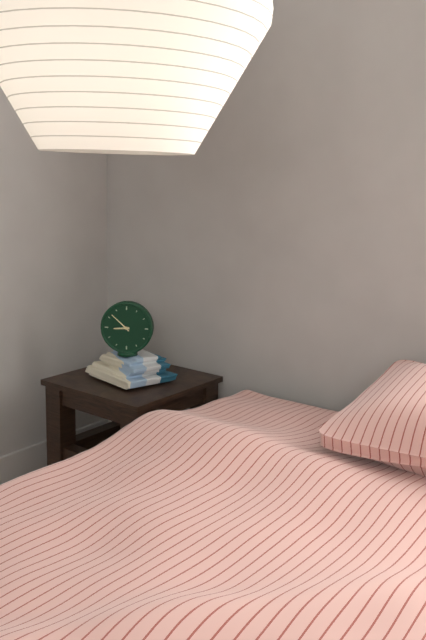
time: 8:52
